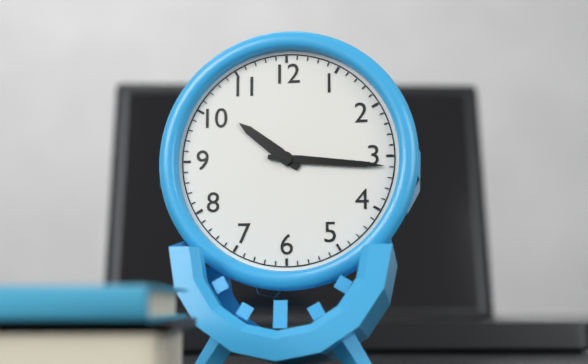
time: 10:16
